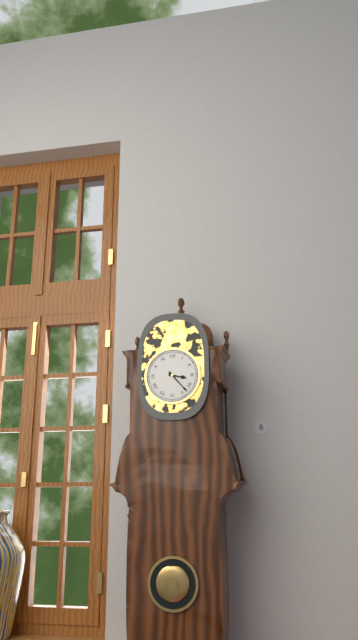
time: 3:23
